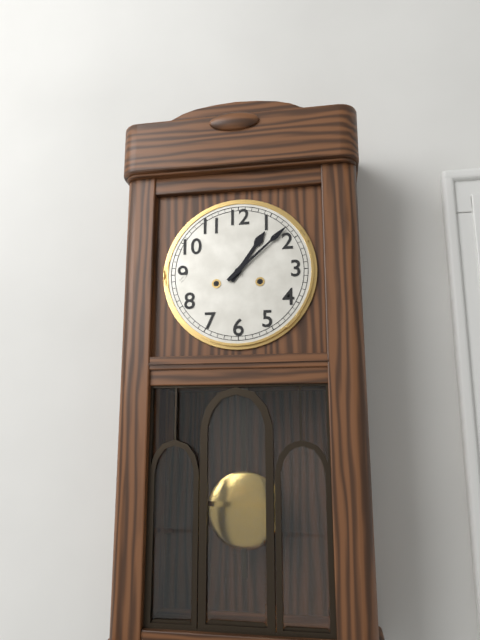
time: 1:08
